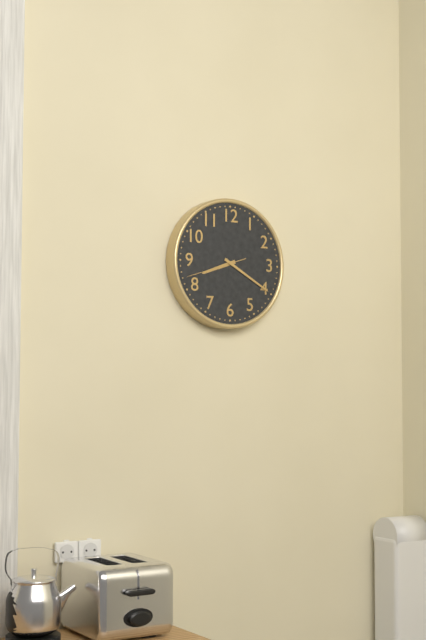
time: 8:20:42
